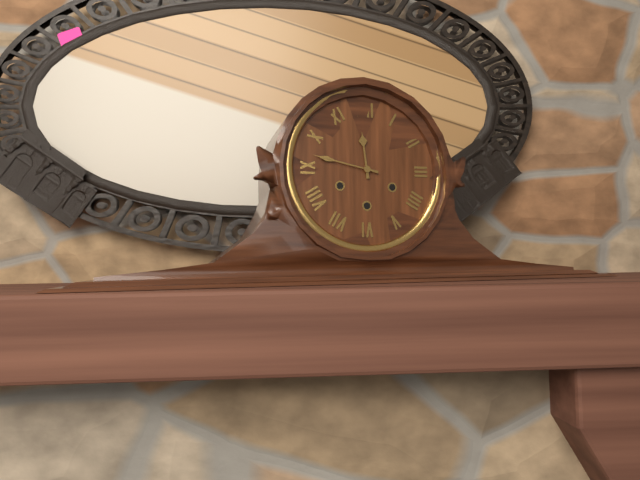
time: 11:47
